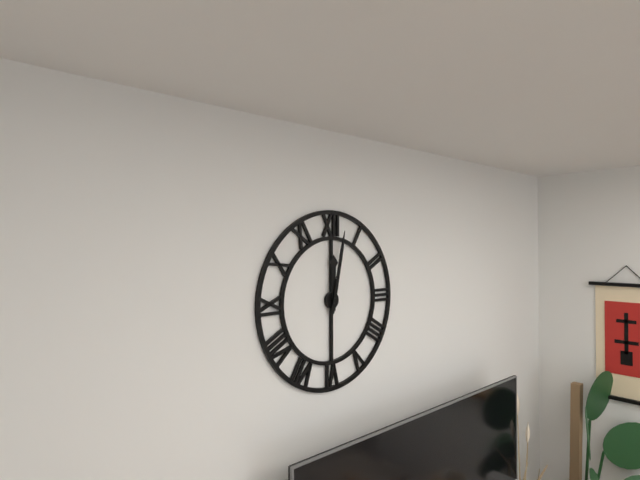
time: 12:02
